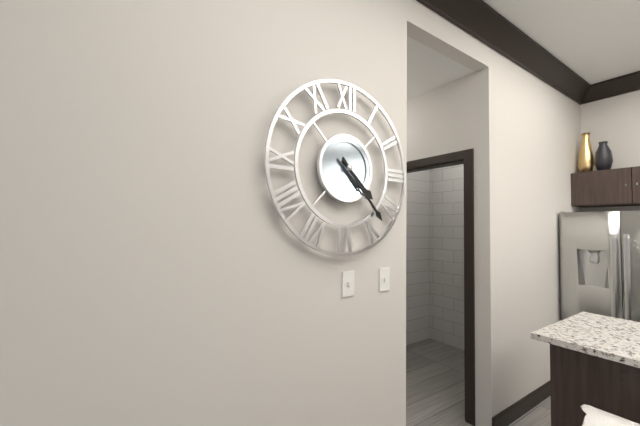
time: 4:23
